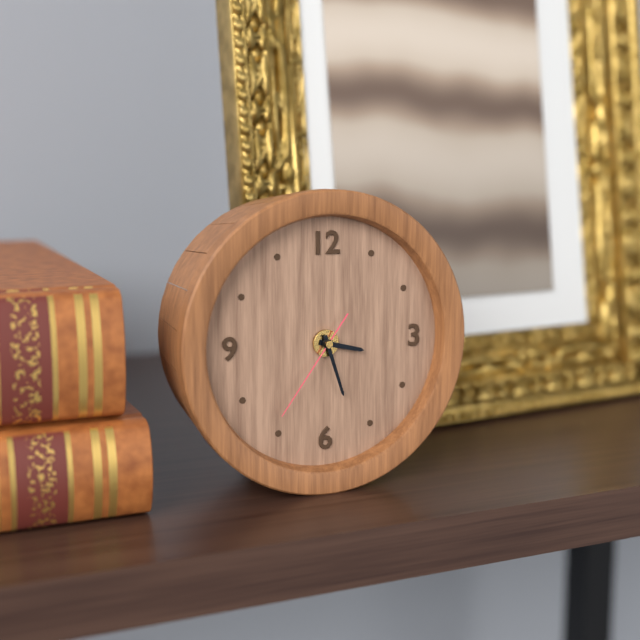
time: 3:27:36
